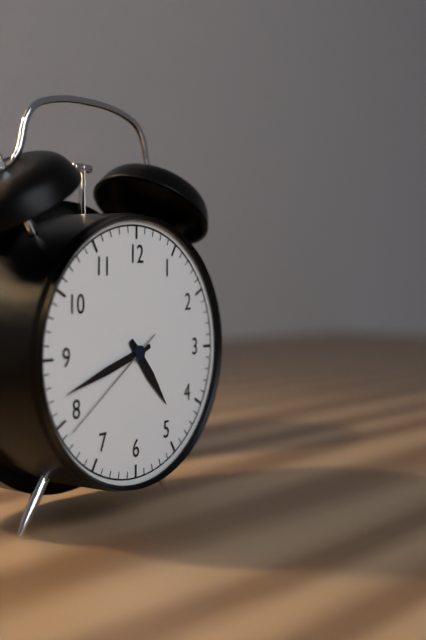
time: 4:42:39
